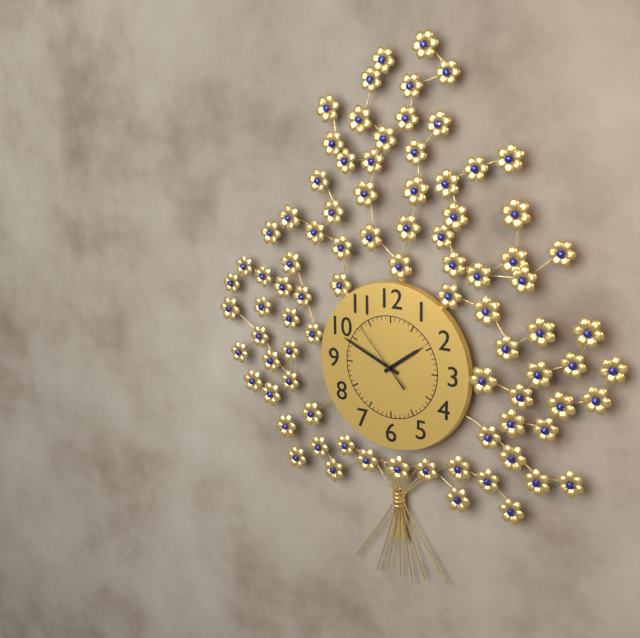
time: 1:49:53
